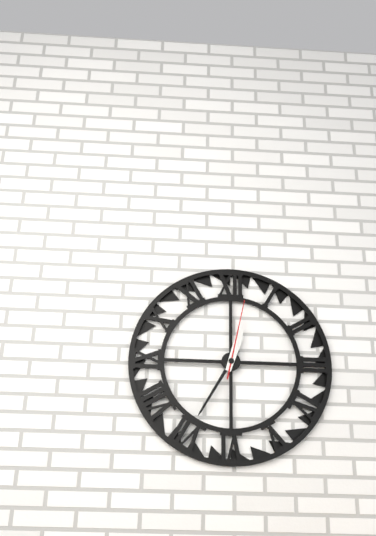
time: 12:35:02
